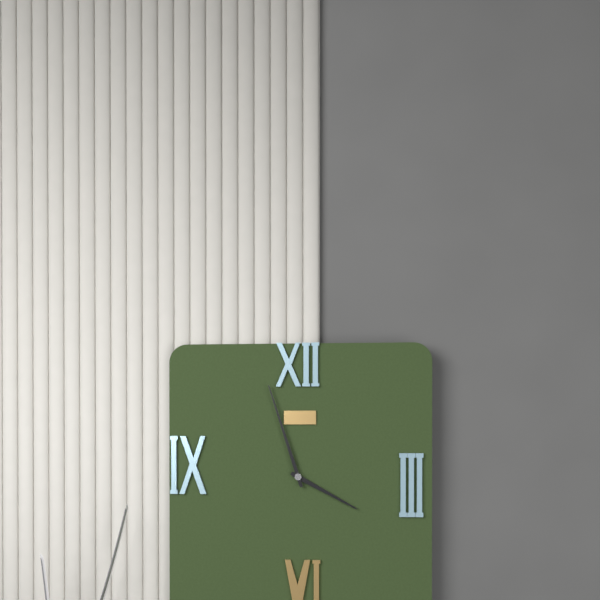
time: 3:57
